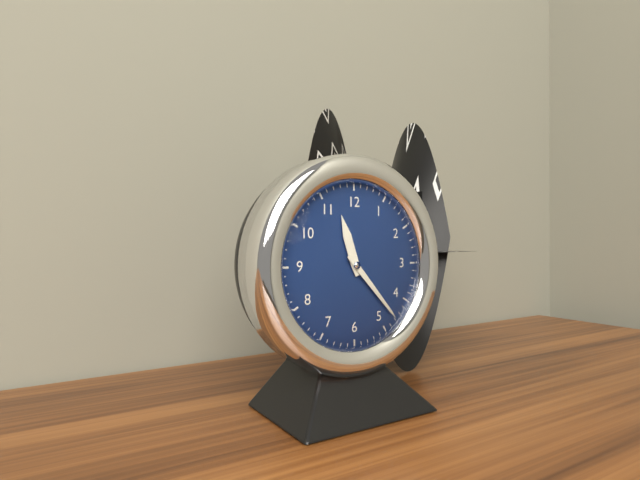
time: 11:23
